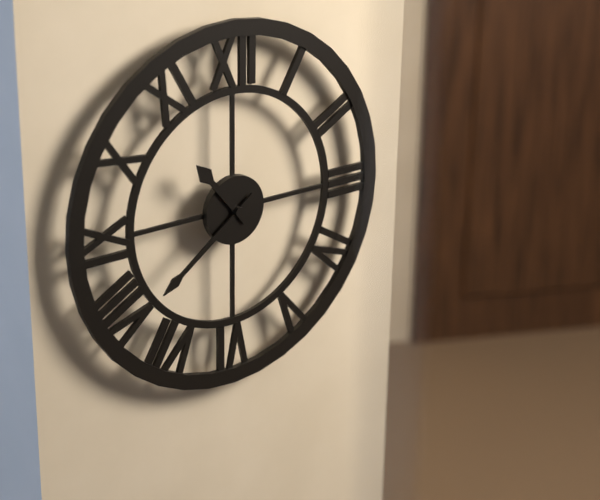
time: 10:39
